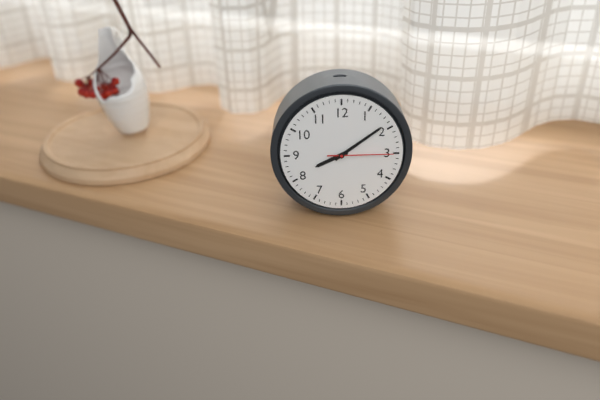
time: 8:09:15
